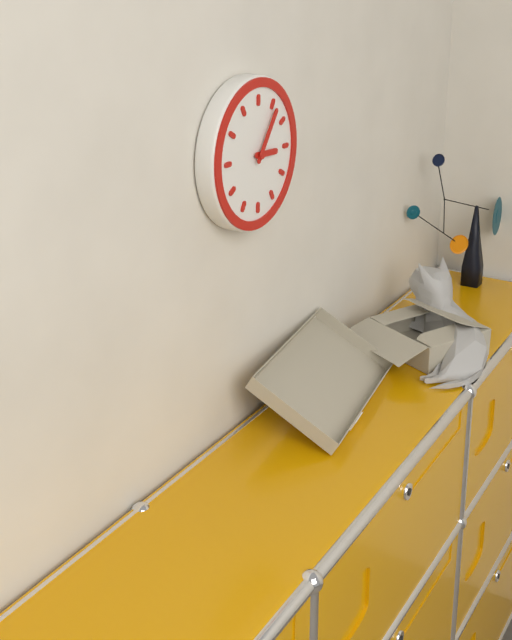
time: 3:06
